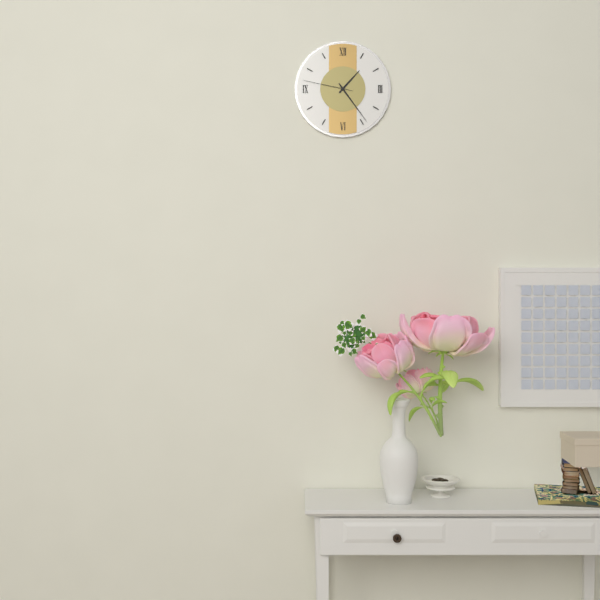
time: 1:24:47
